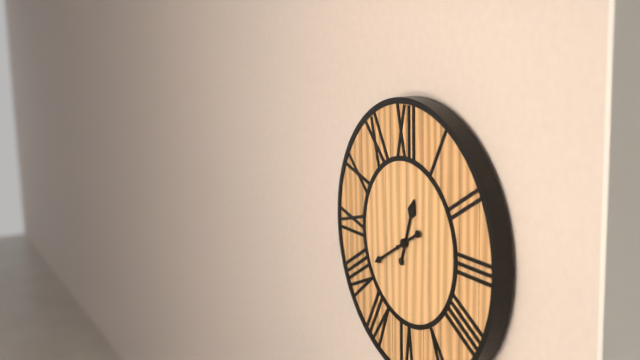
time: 12:40
